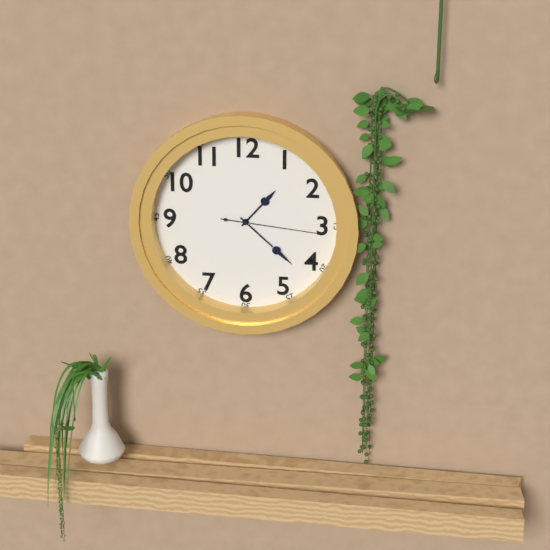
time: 1:22:16
